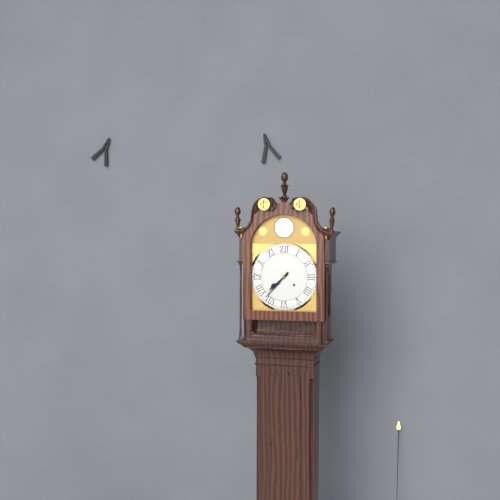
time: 7:37
